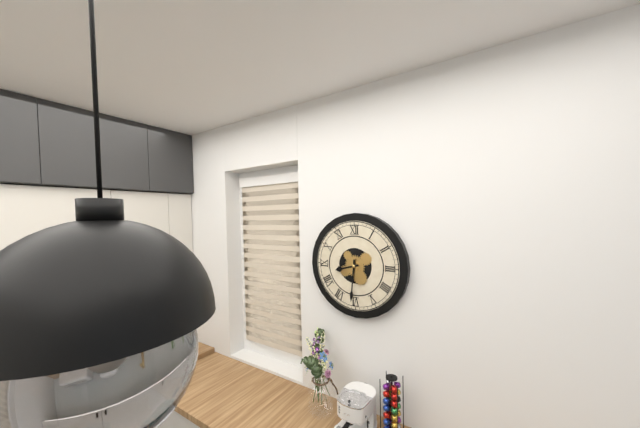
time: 8:31
